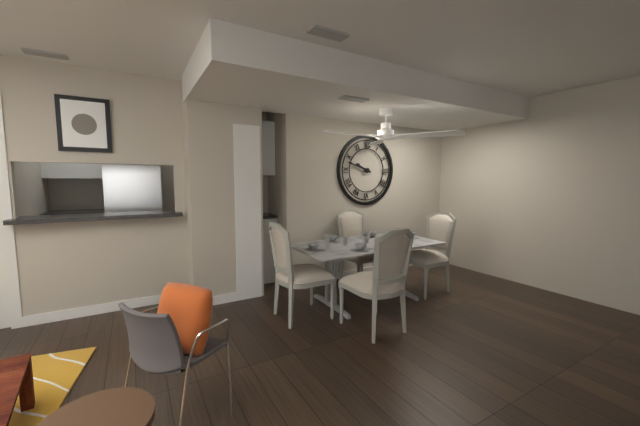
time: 9:48
